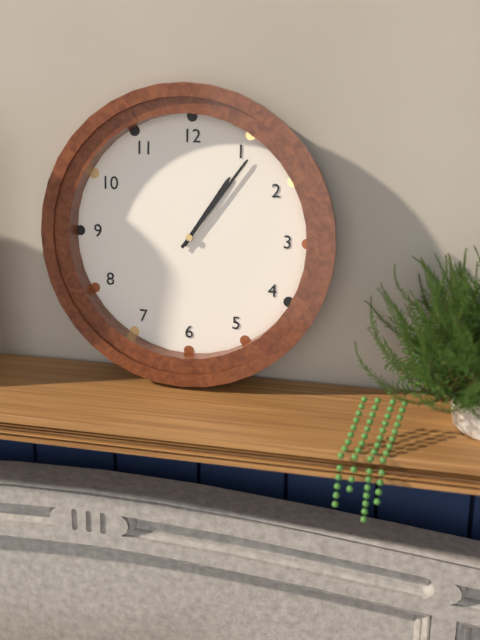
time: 1:06
